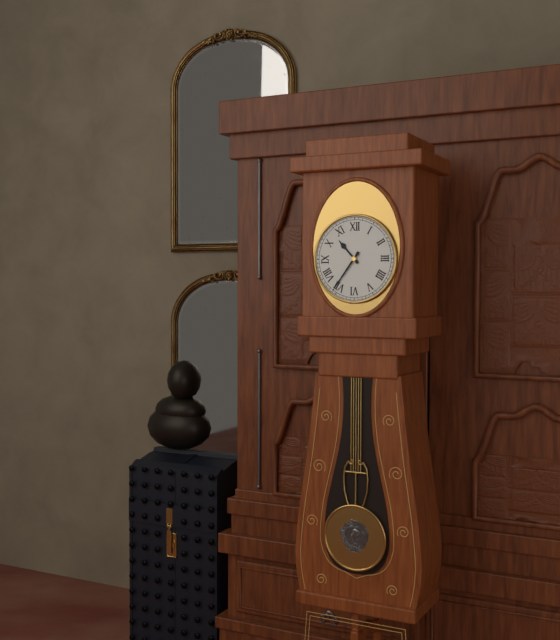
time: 10:36
